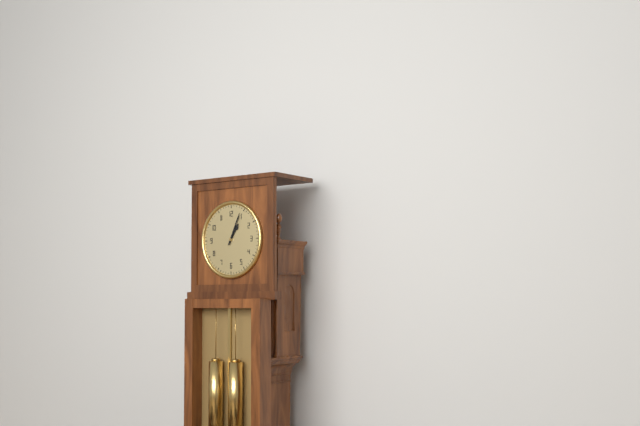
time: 1:04
